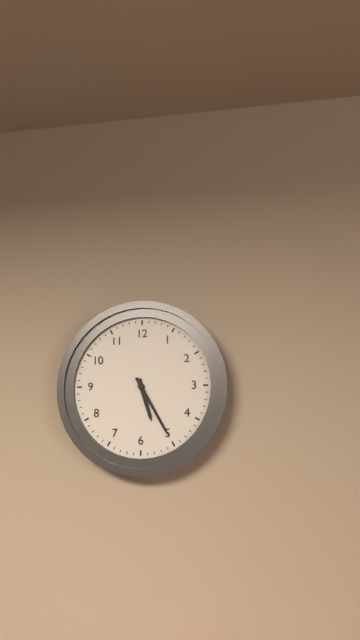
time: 5:25
